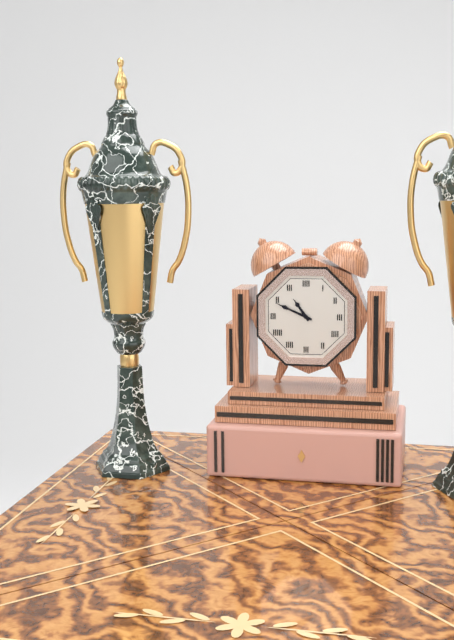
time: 10:49
